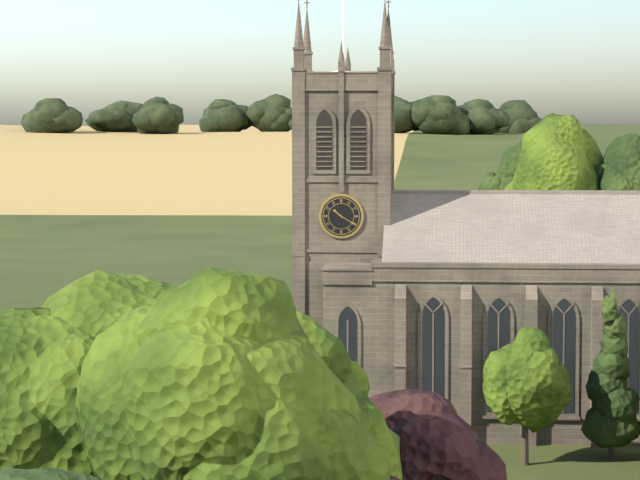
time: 10:20
